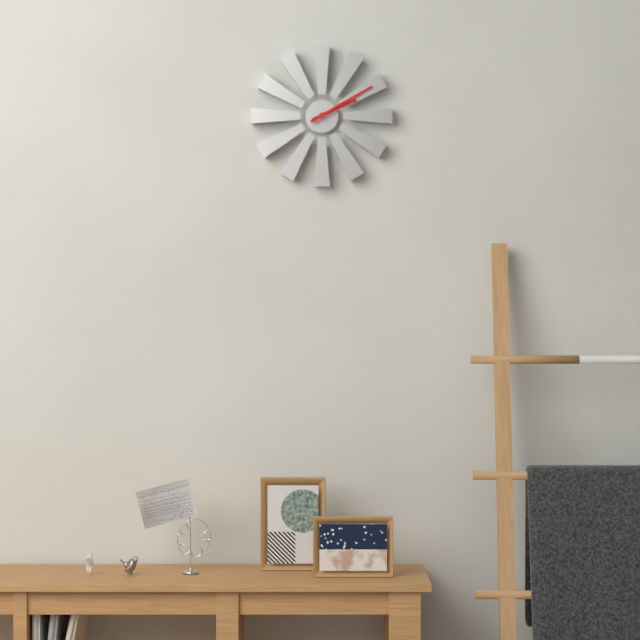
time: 2:10
